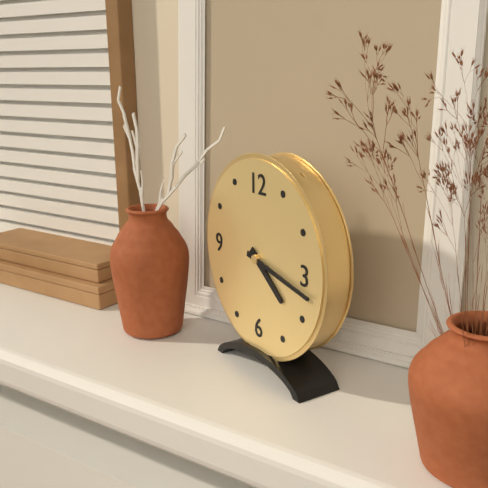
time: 4:17
